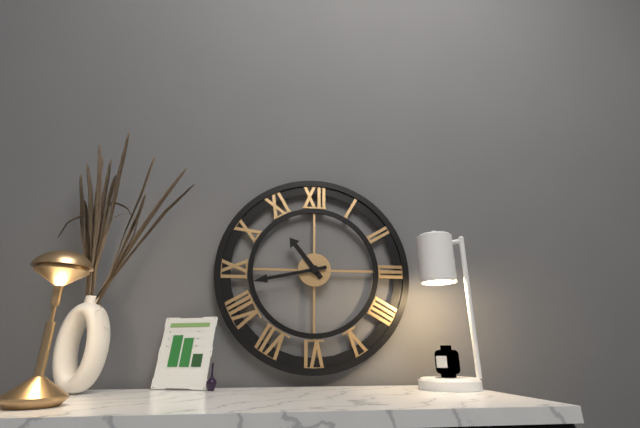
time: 10:43
